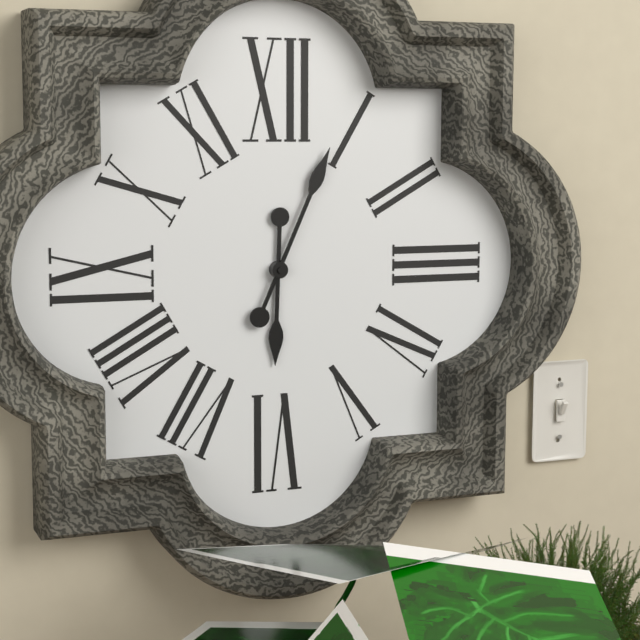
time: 6:04
